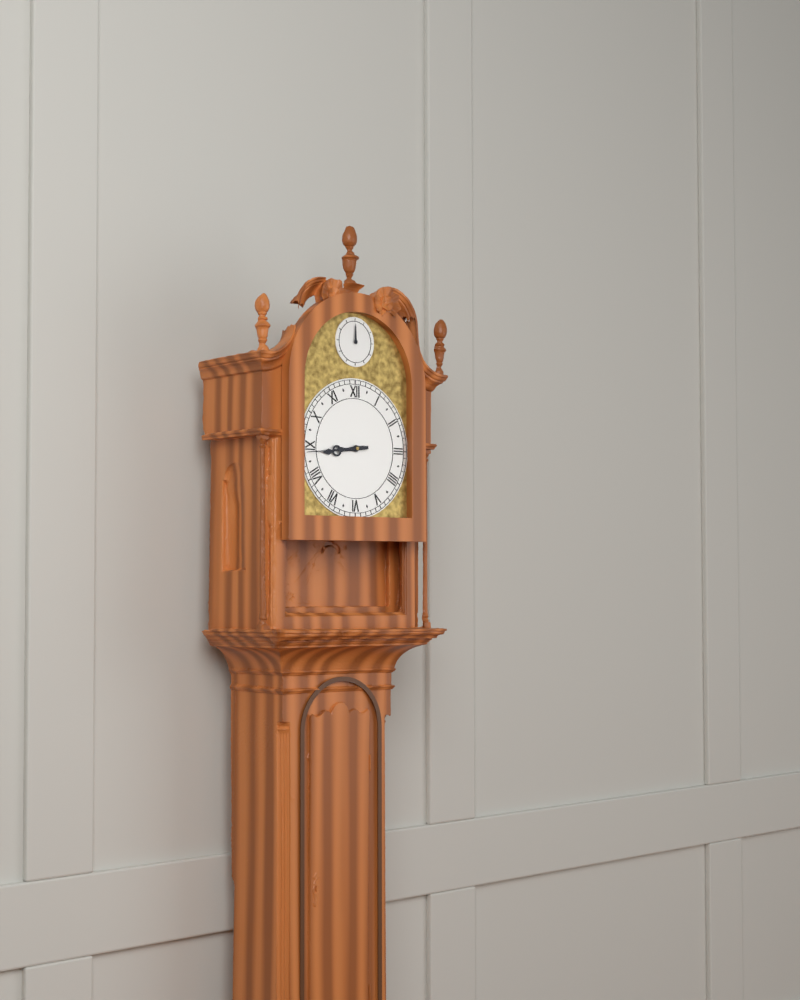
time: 8:44
